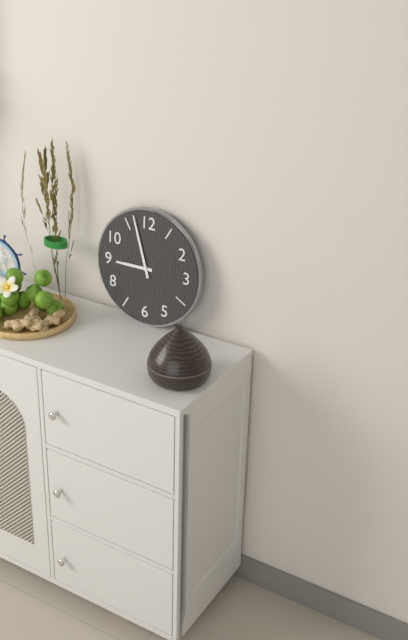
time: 8:57
